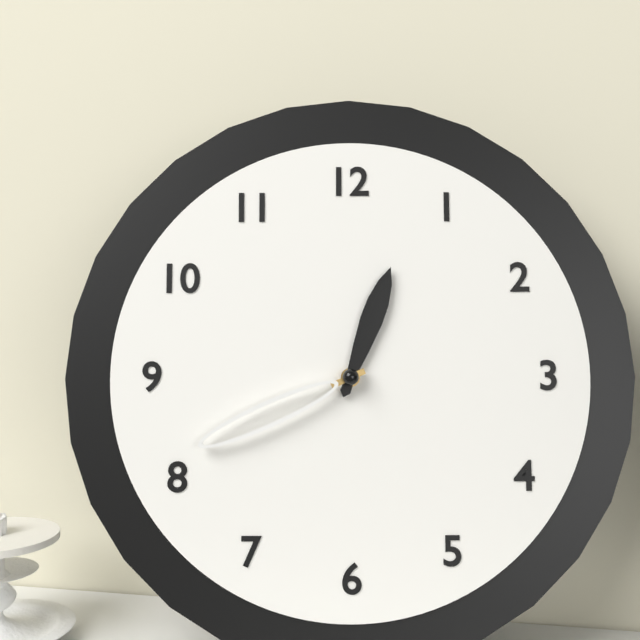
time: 12:41
